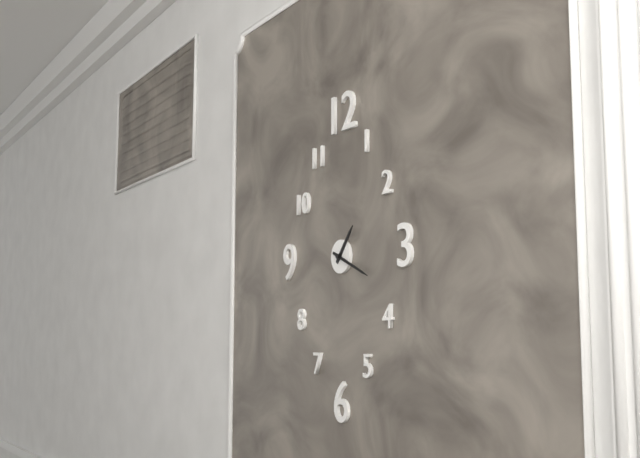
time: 1:19
